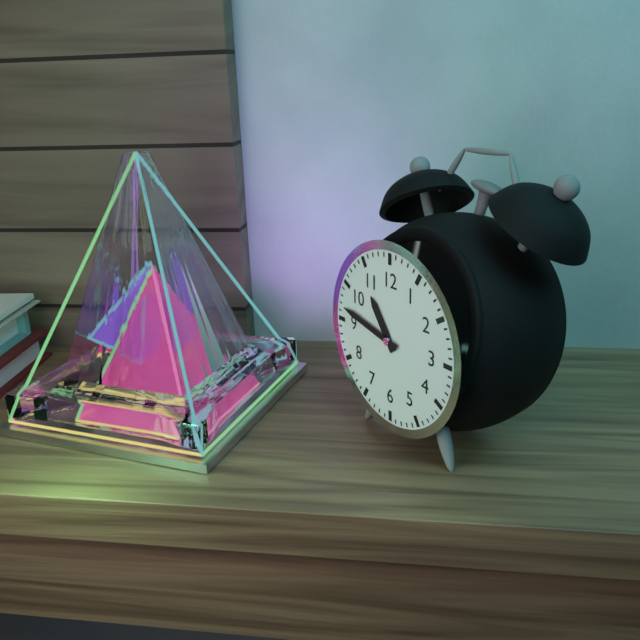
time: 10:47
